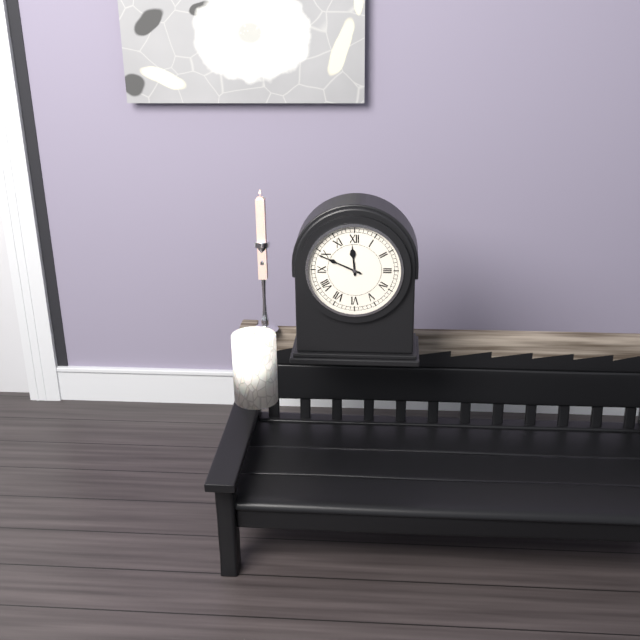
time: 11:49
